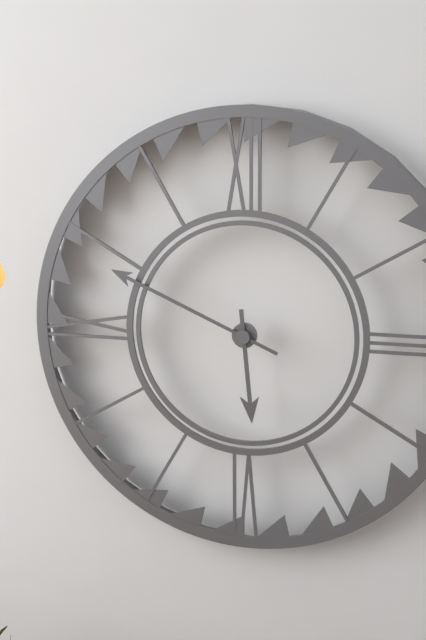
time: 5:49
